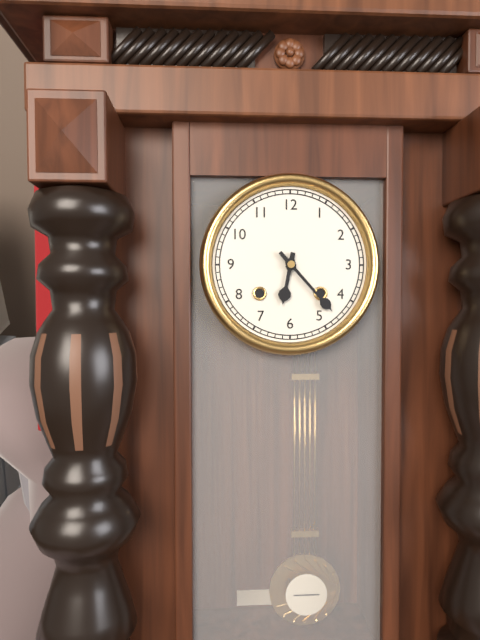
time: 6:23
